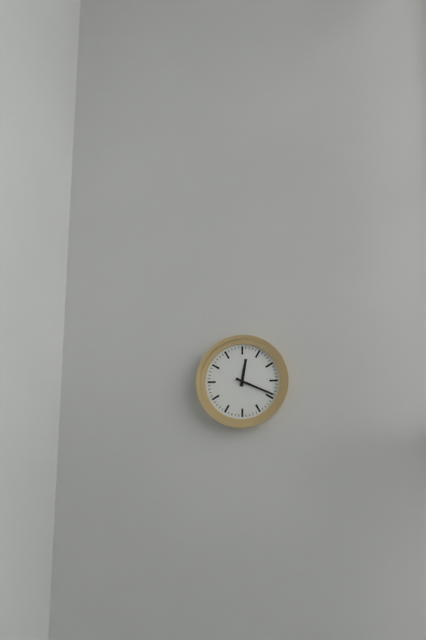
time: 12:19
